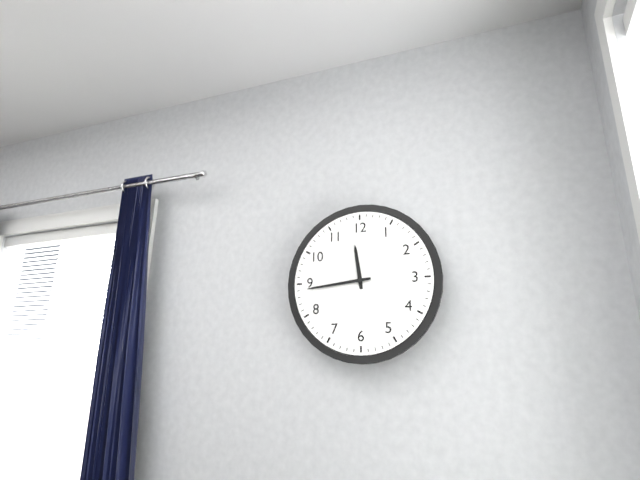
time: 11:44
